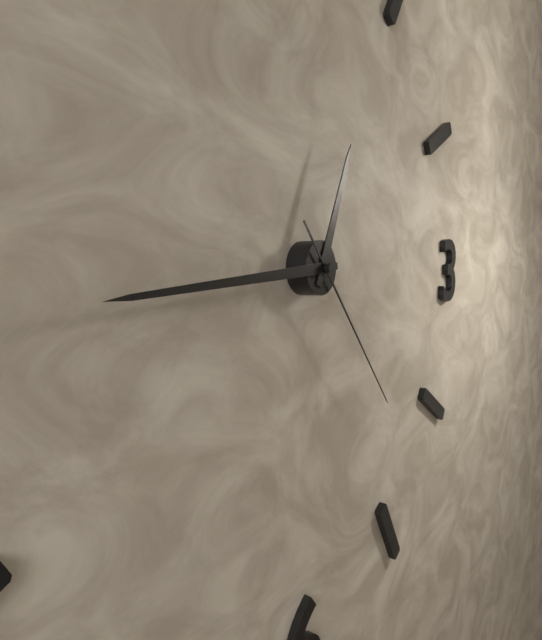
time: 12:44:23
